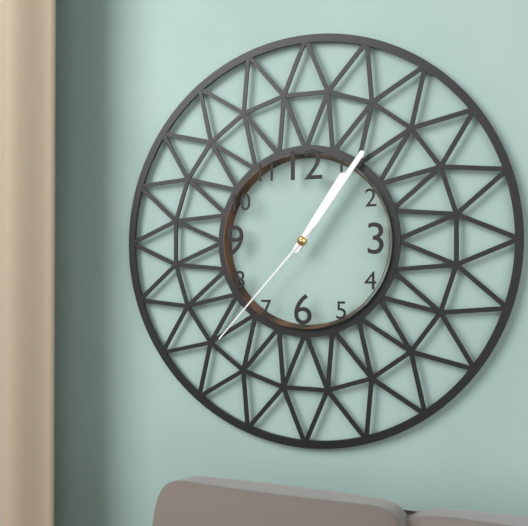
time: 1:06:37
